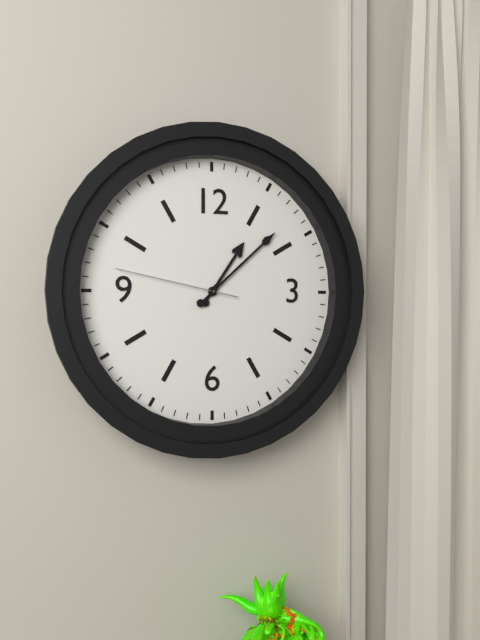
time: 1:08:47
